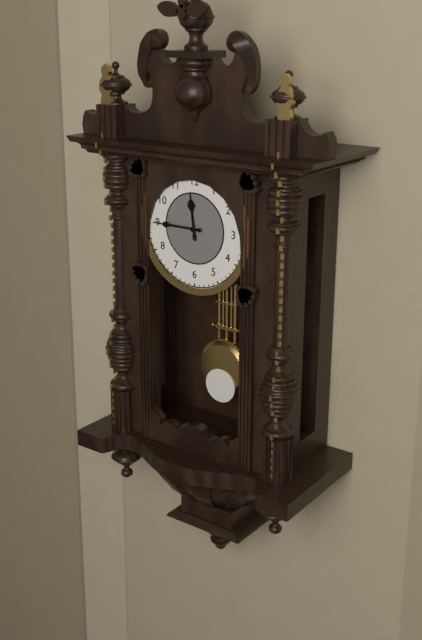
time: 11:45
